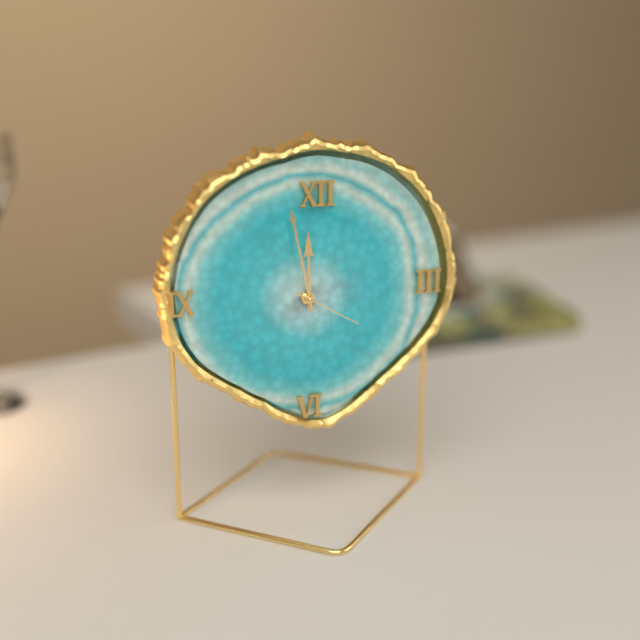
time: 11:58:20
